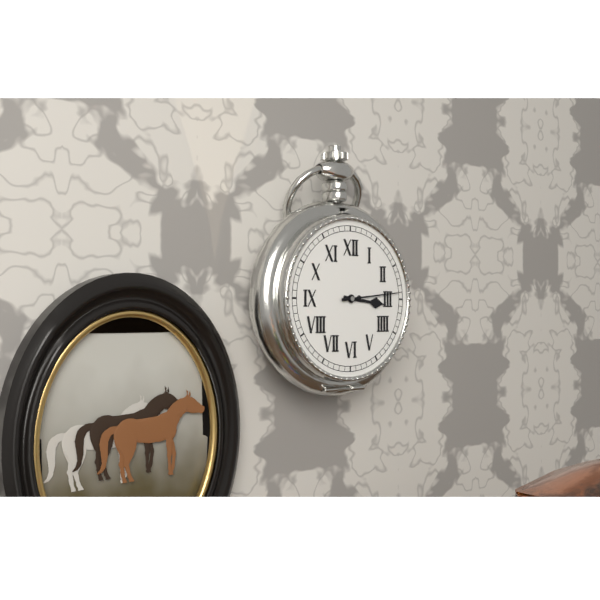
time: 3:14
